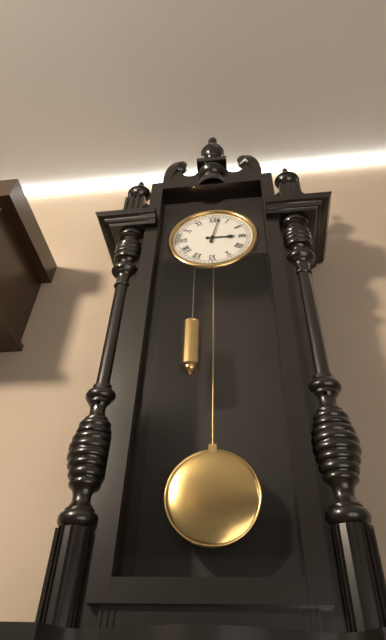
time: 3:02
